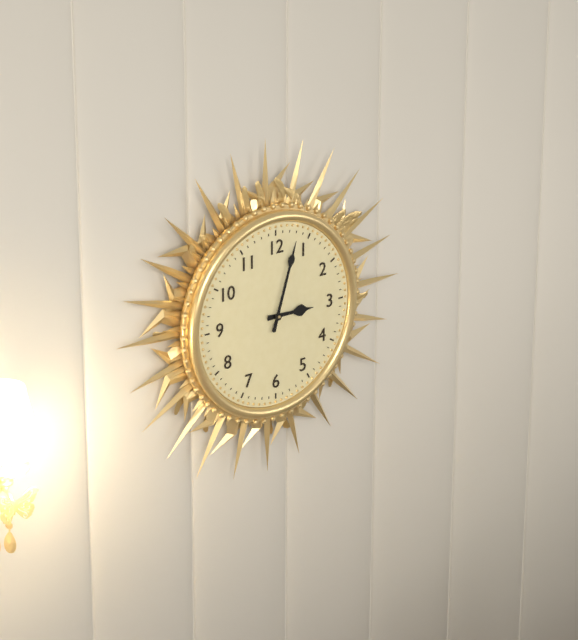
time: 3:03
